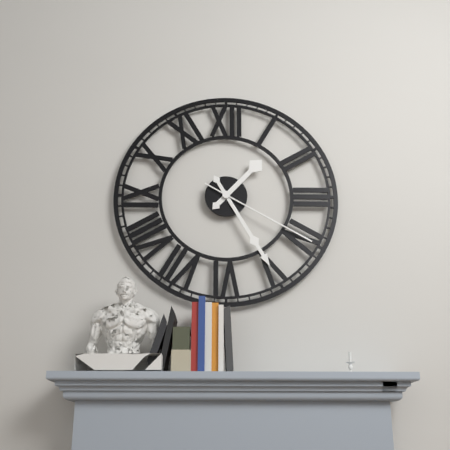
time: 1:25:20
